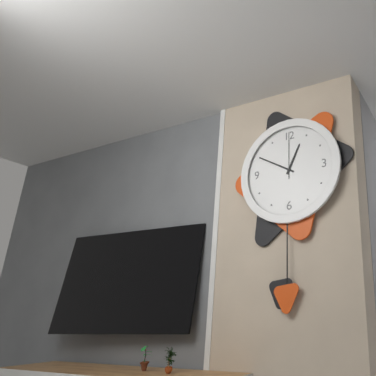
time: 12:50
